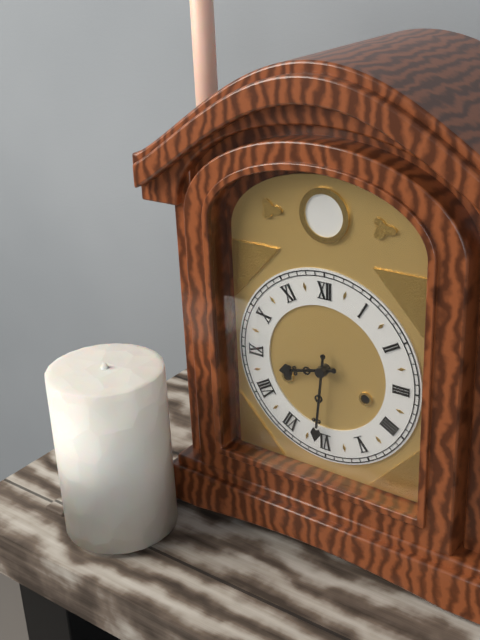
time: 8:31
